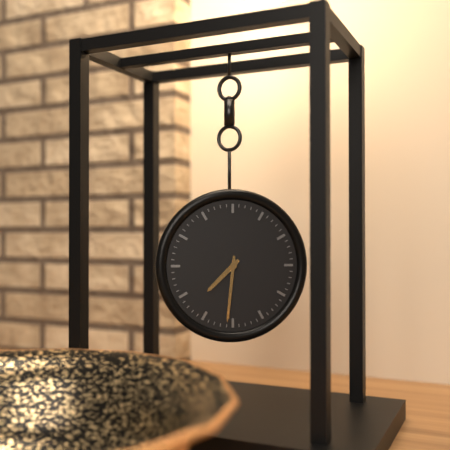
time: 7:31
